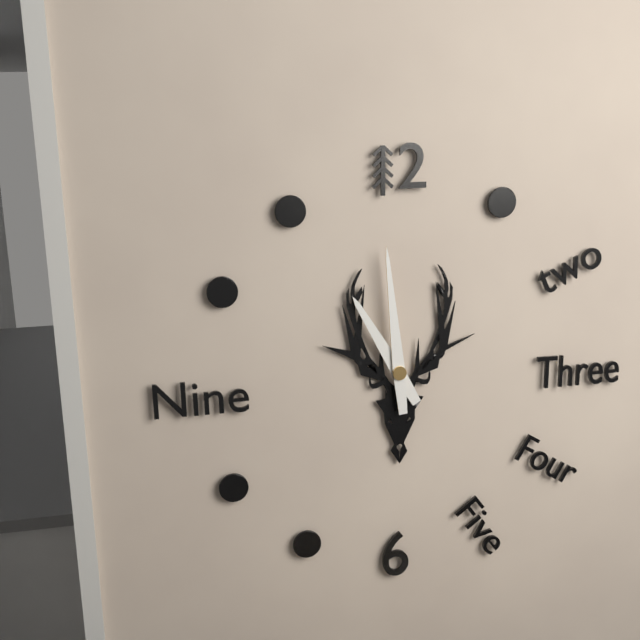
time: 10:59
